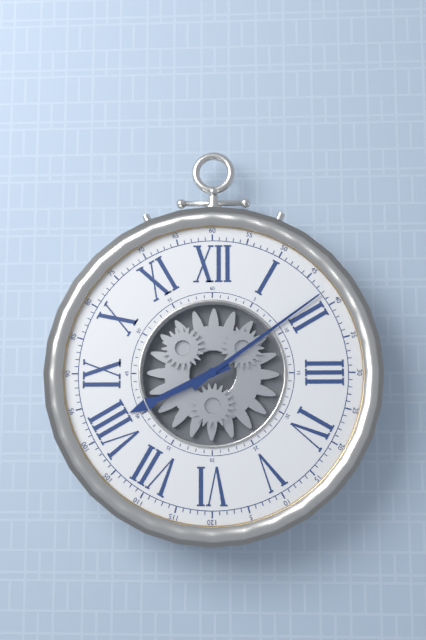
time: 8:09
